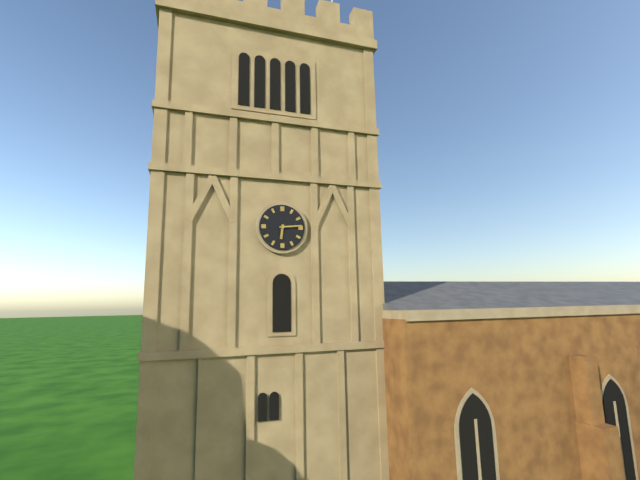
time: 6:14
